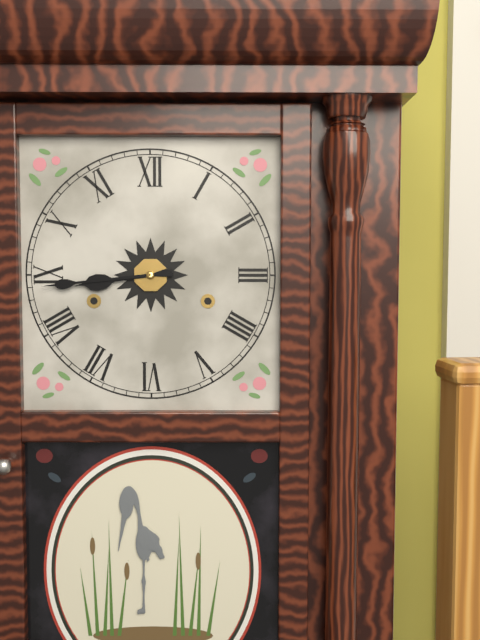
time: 8:44
